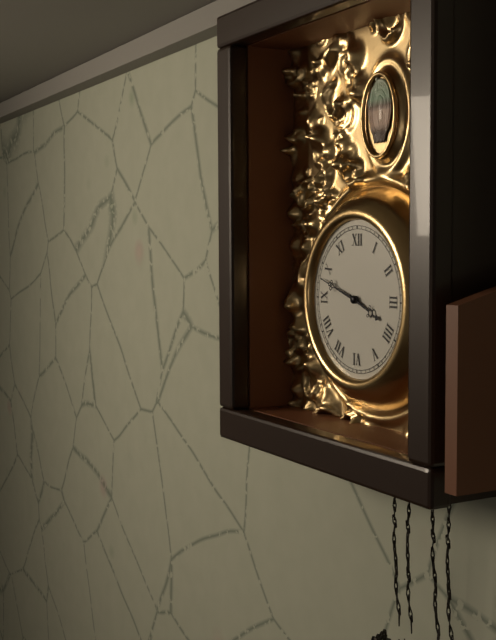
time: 3:48
